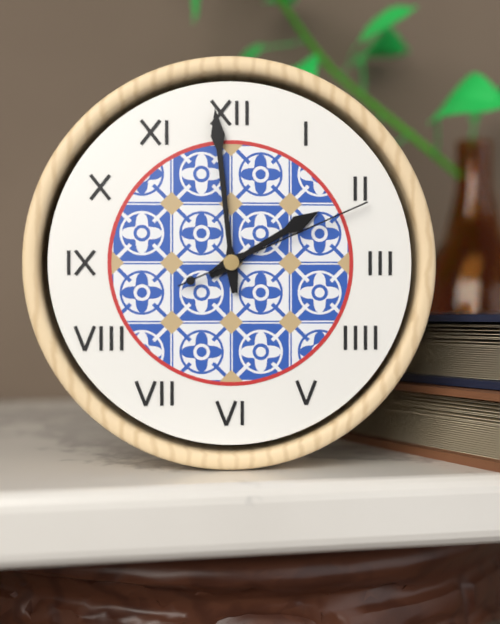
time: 1:59:11
